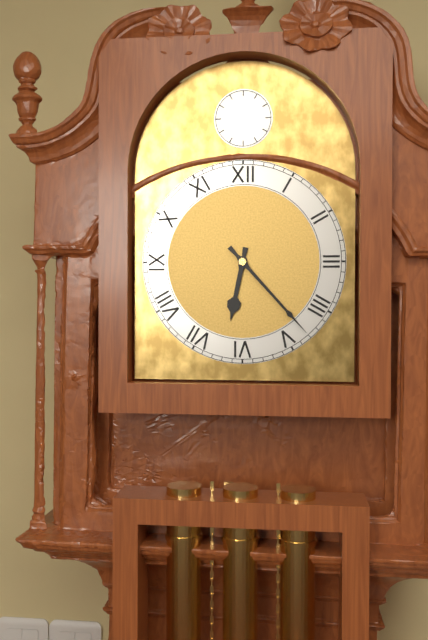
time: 6:23
